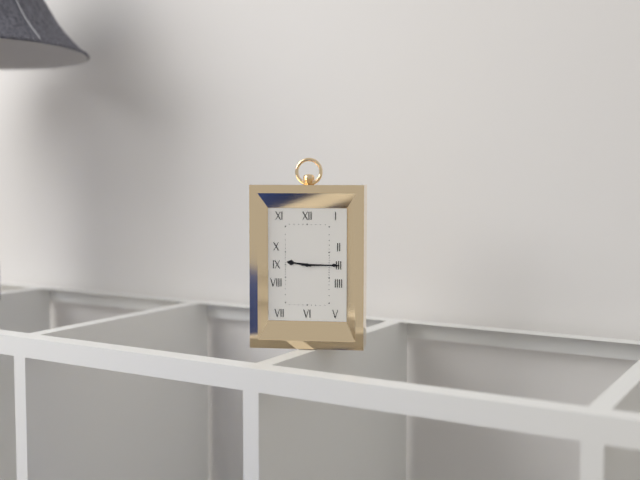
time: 9:15
